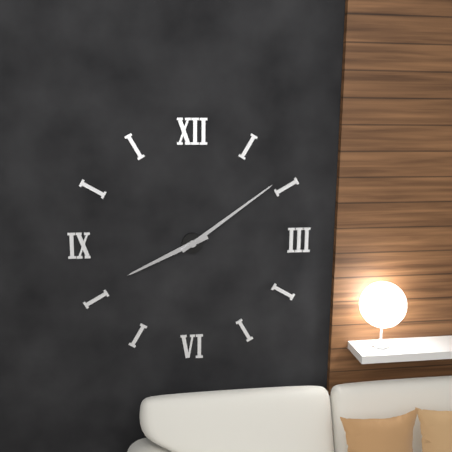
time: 8:09
